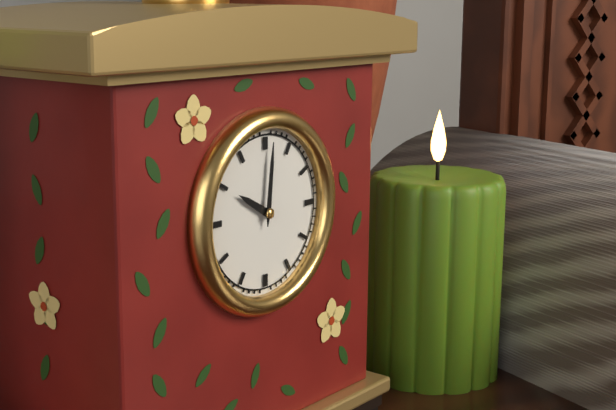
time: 10:01
